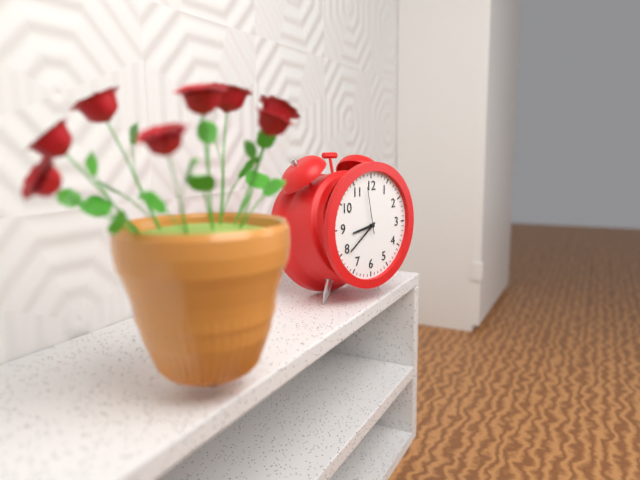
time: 8:39
